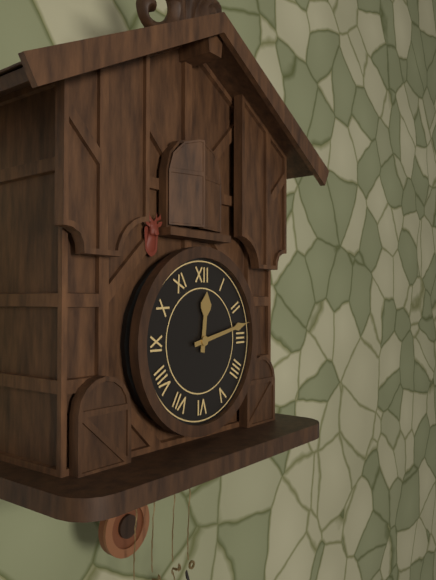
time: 12:13
